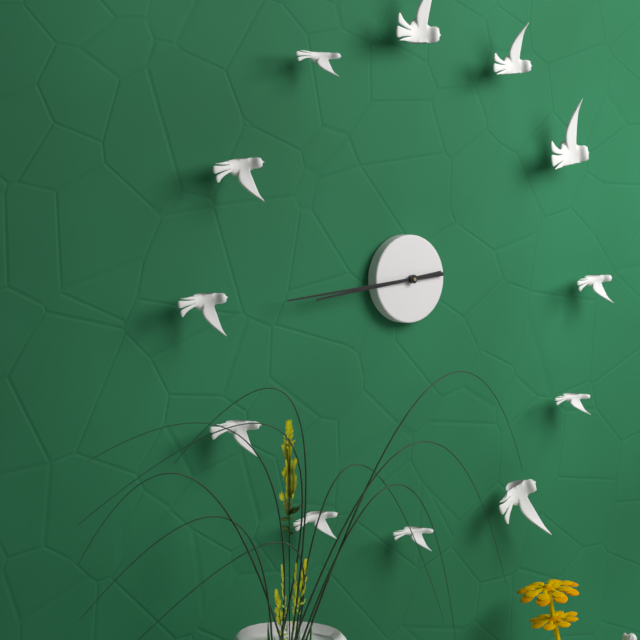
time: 8:44
